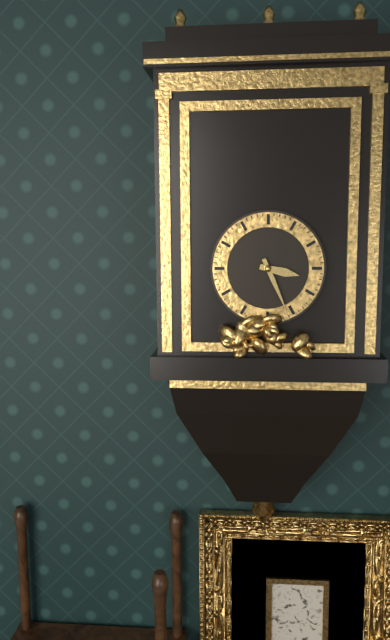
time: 3:26
